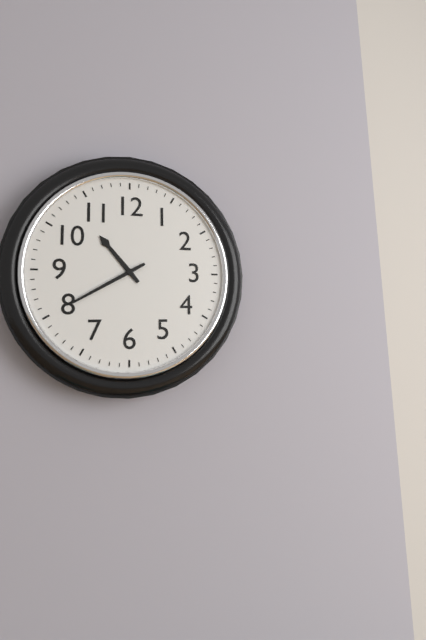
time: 10:40
